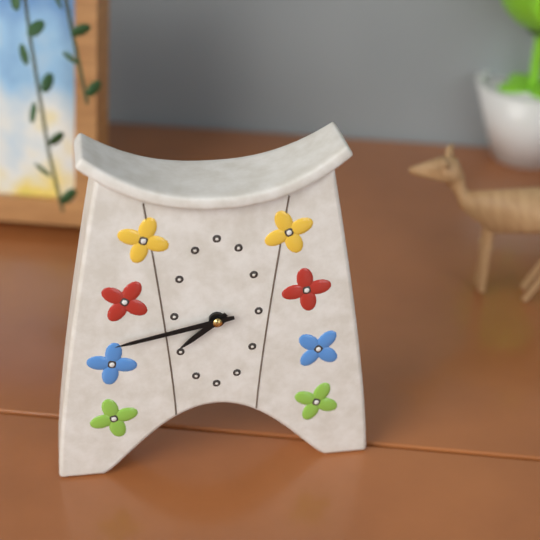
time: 7:43
